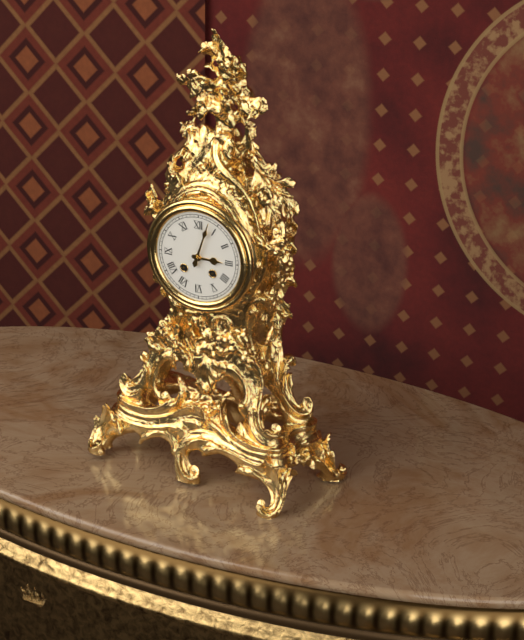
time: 3:03
